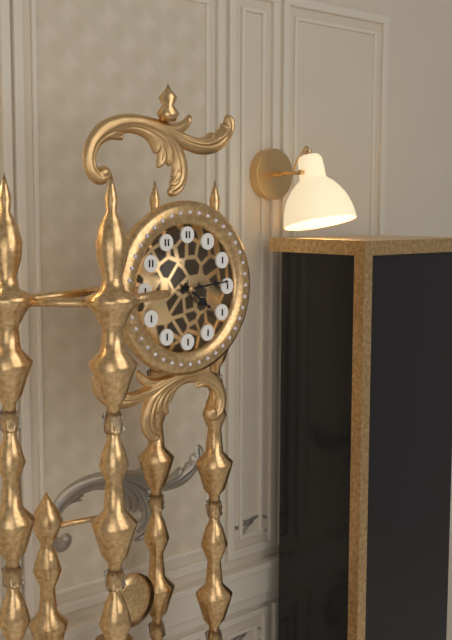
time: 4:14
